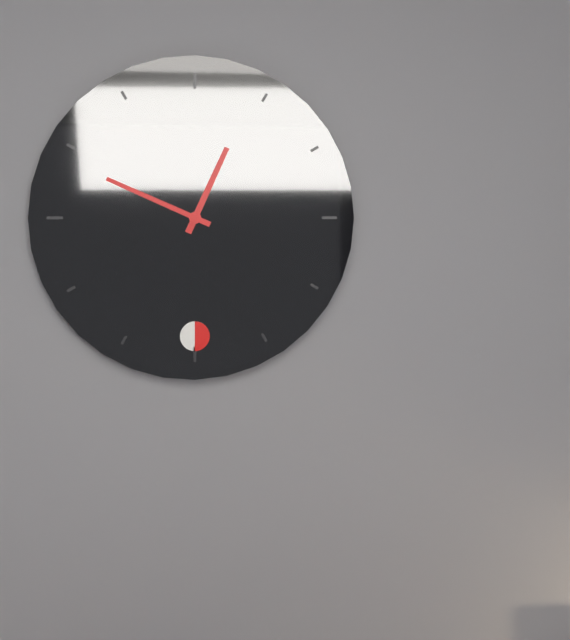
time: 12:49
